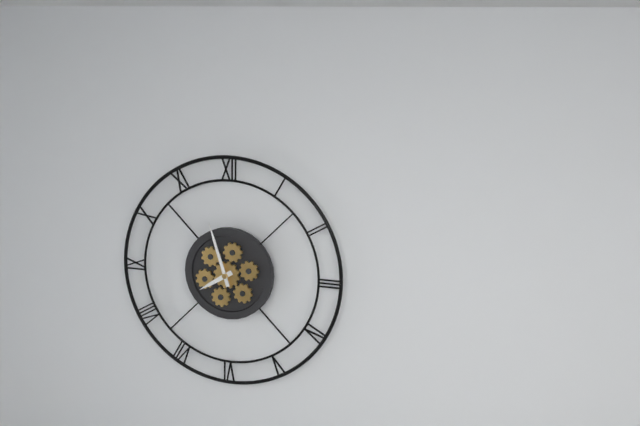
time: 7:57
